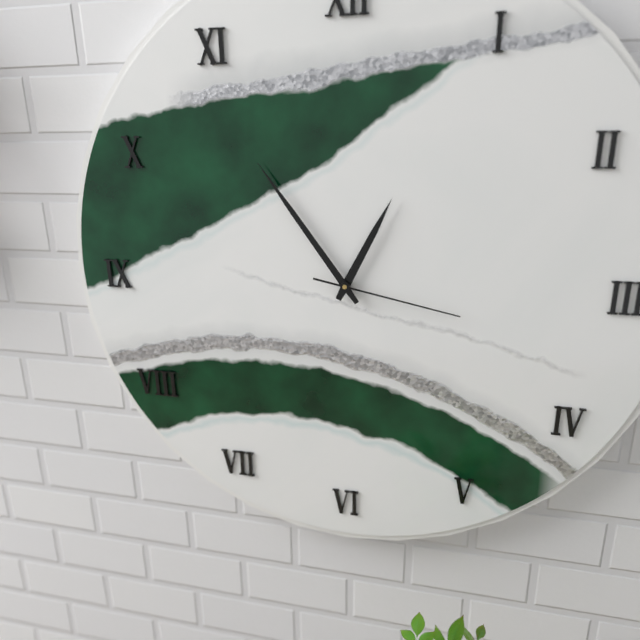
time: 12:54:17
